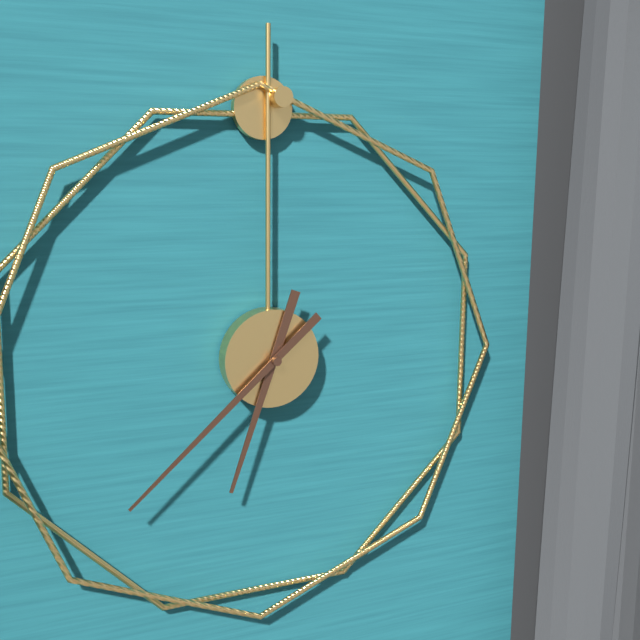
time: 6:38
